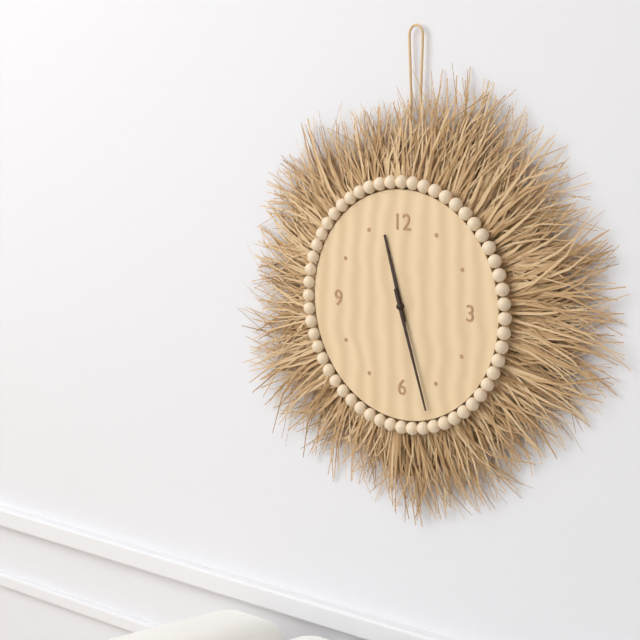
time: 11:27
